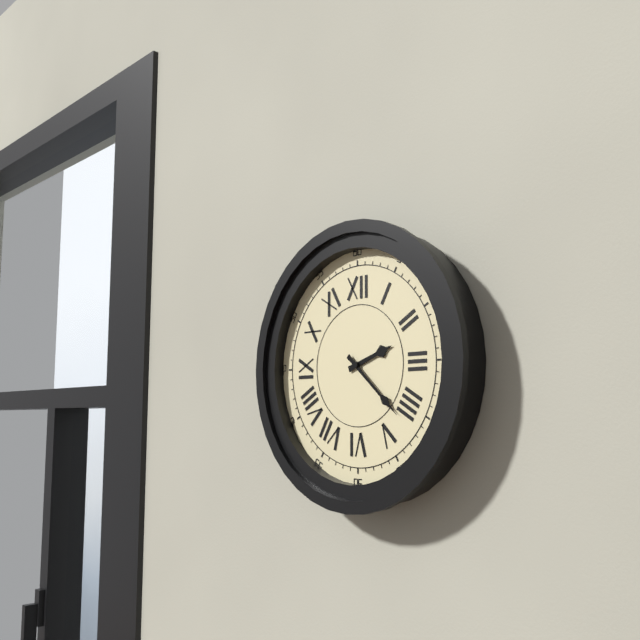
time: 2:22
